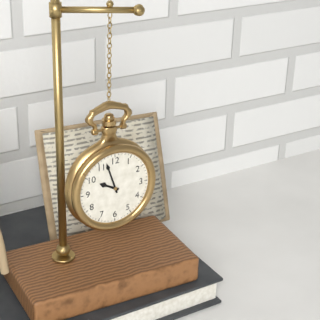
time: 9:57
